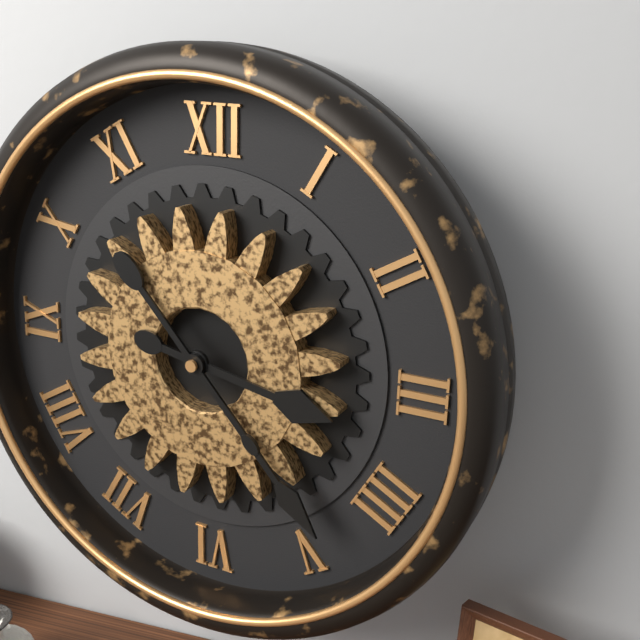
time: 3:23
